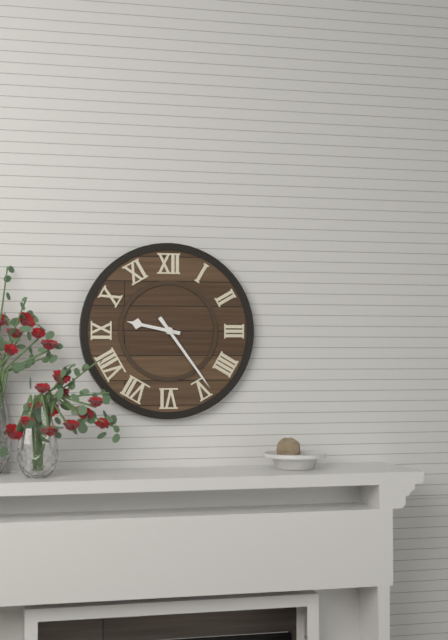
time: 9:24
